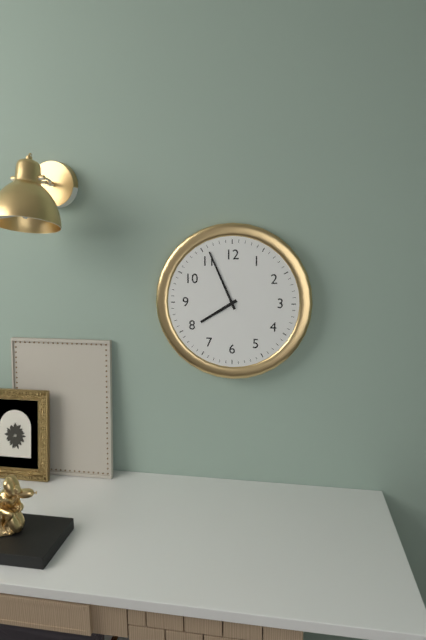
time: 7:56
